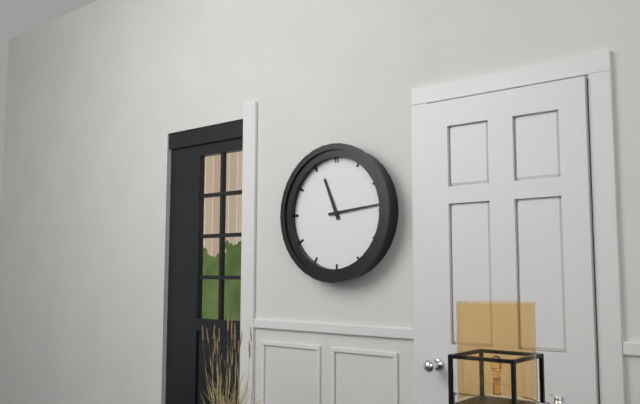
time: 11:14
